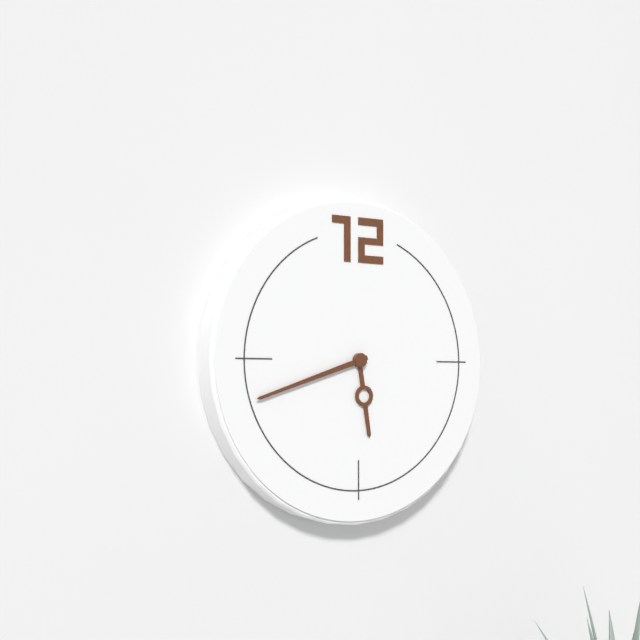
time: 5:42
